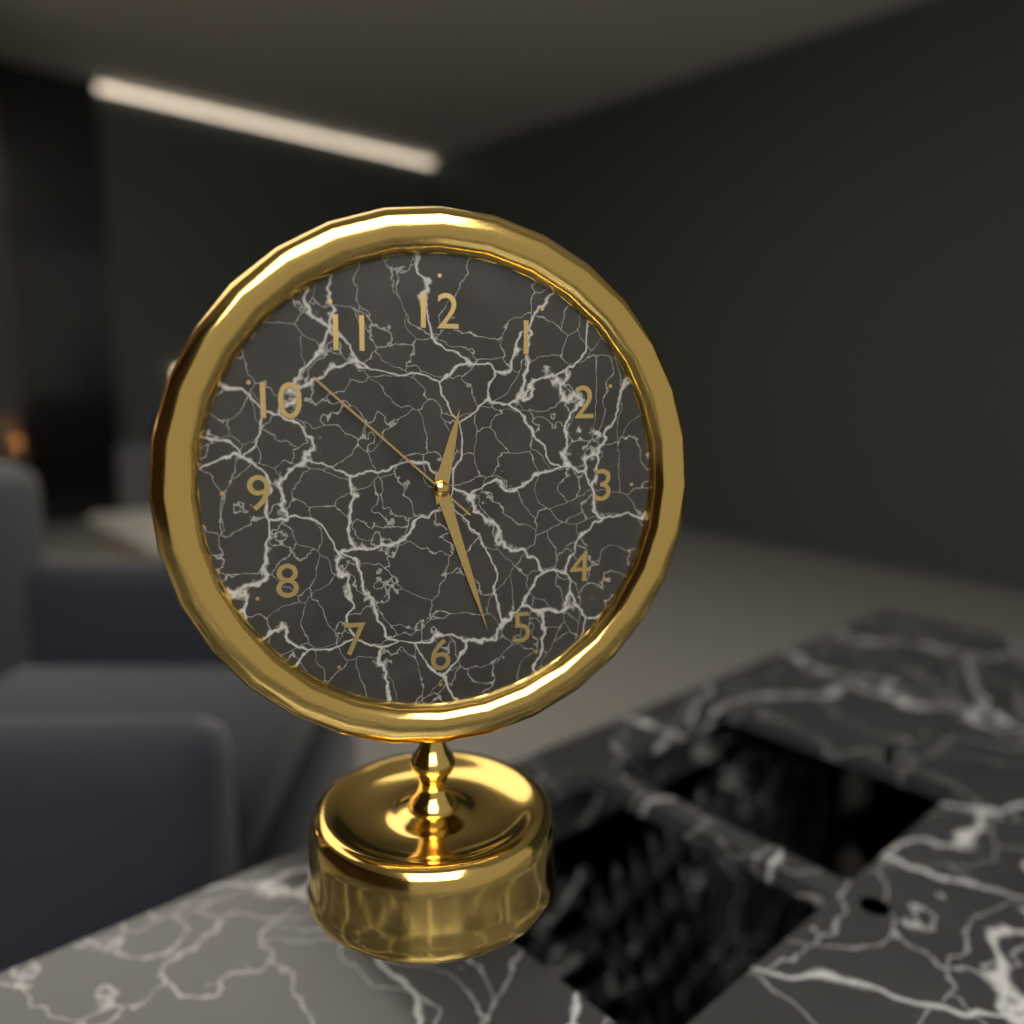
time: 12:27:52
